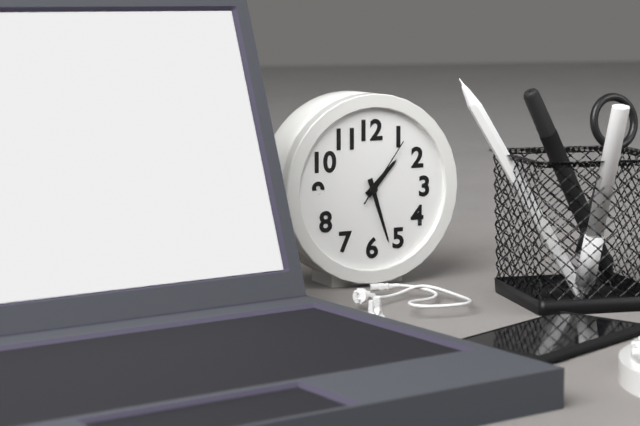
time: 1:27:06
